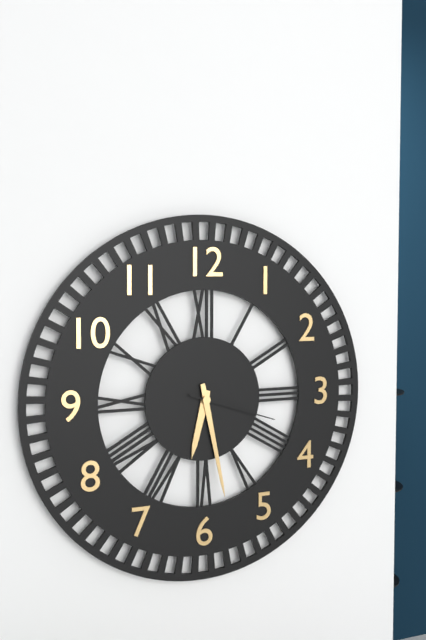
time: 6:28:18
